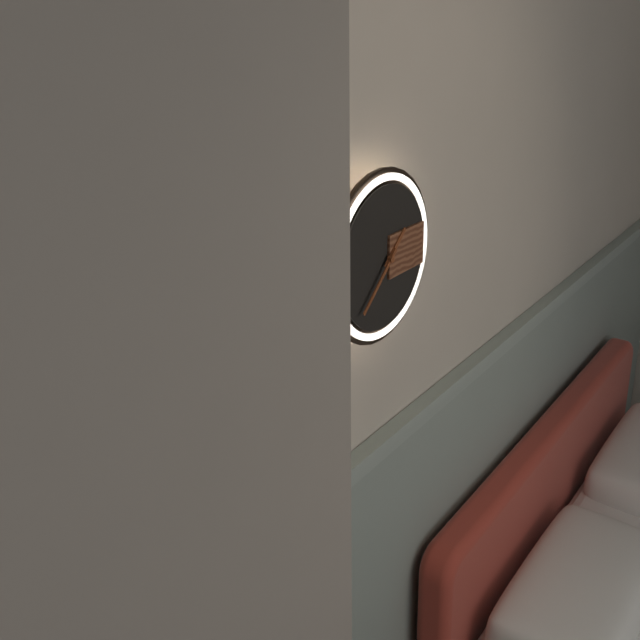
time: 1:38
